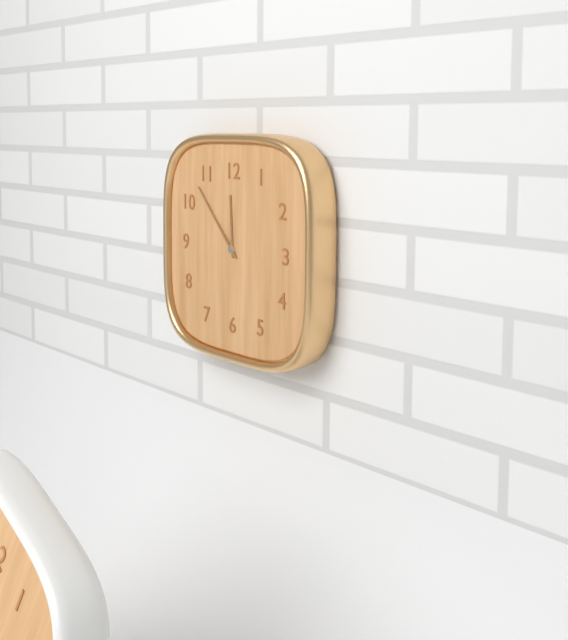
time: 11:53
